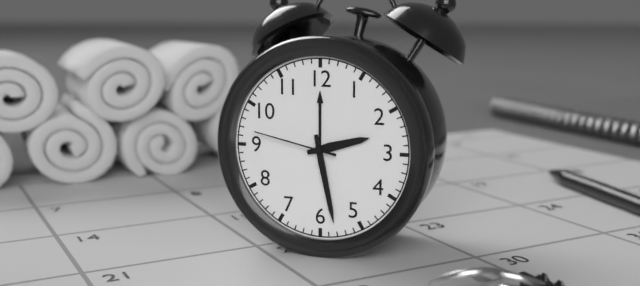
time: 2:28:47
